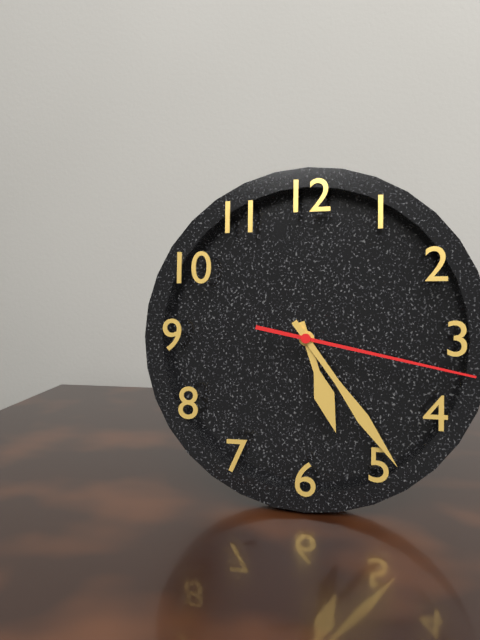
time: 5:24:17
